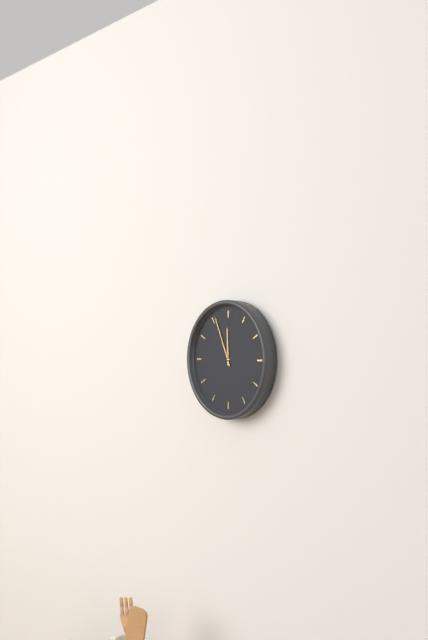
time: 11:56
